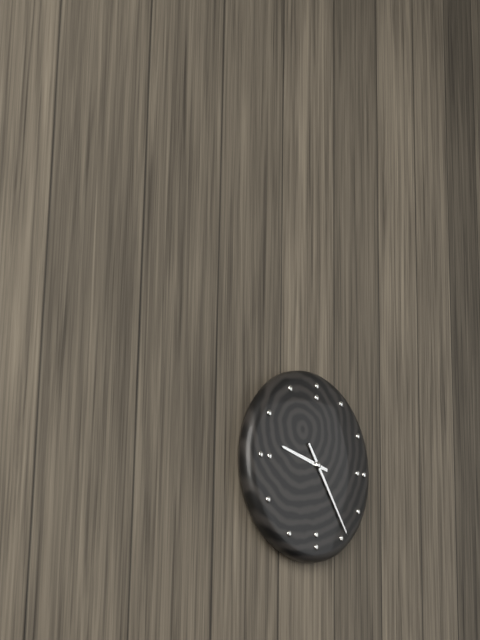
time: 9:24
